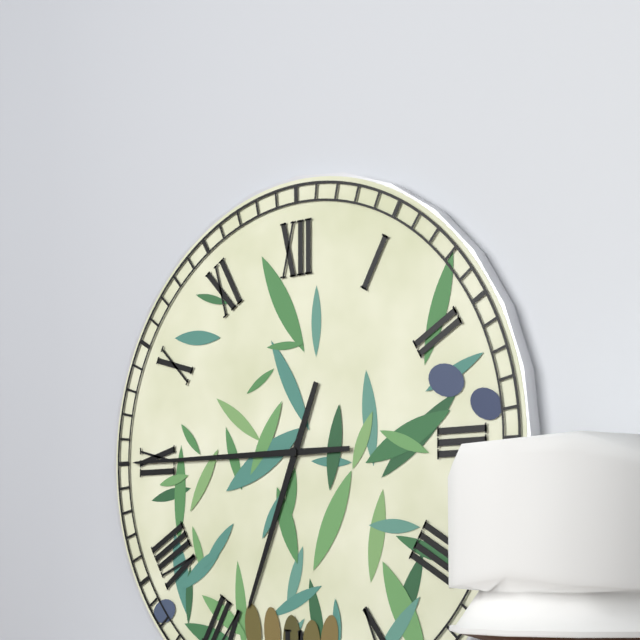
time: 6:45
